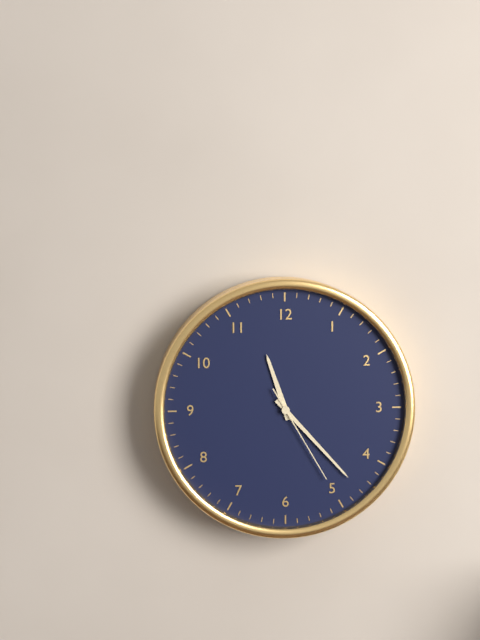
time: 11:23:25
